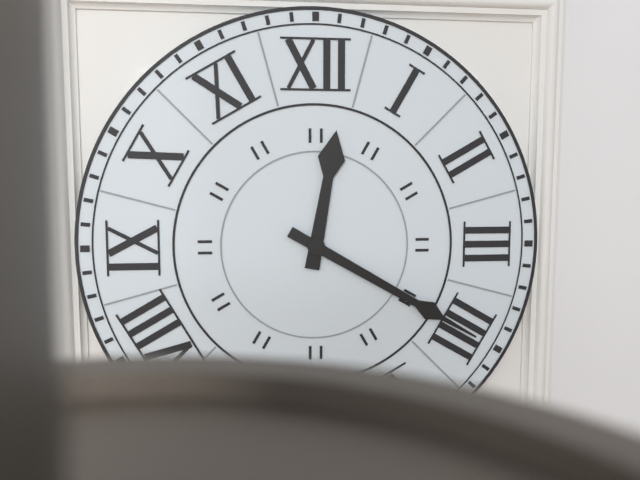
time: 12:20
